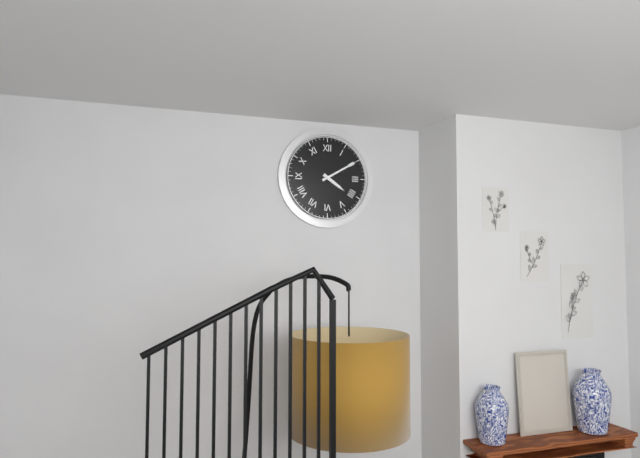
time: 4:10
